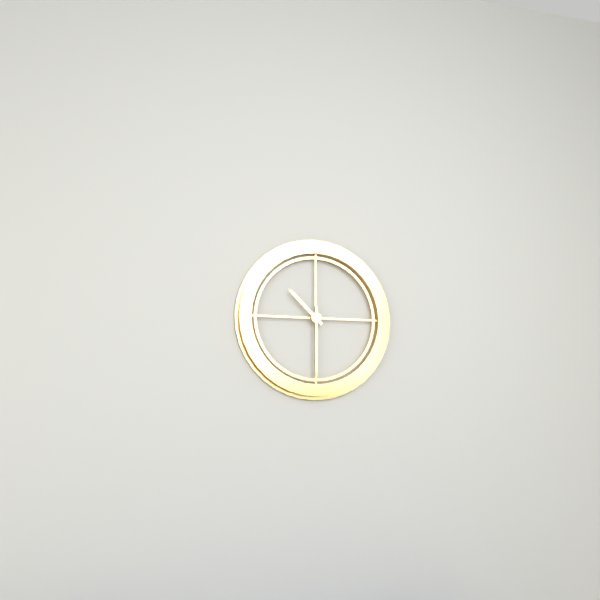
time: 10:30
